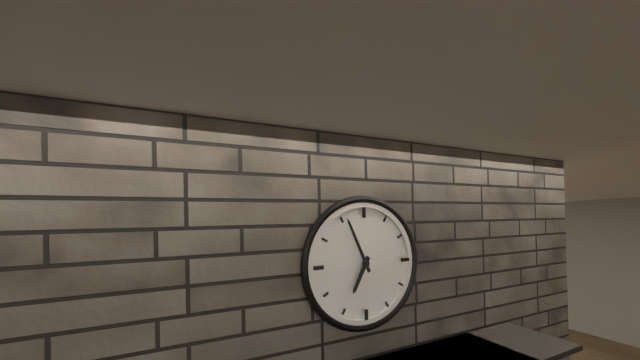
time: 6:56
